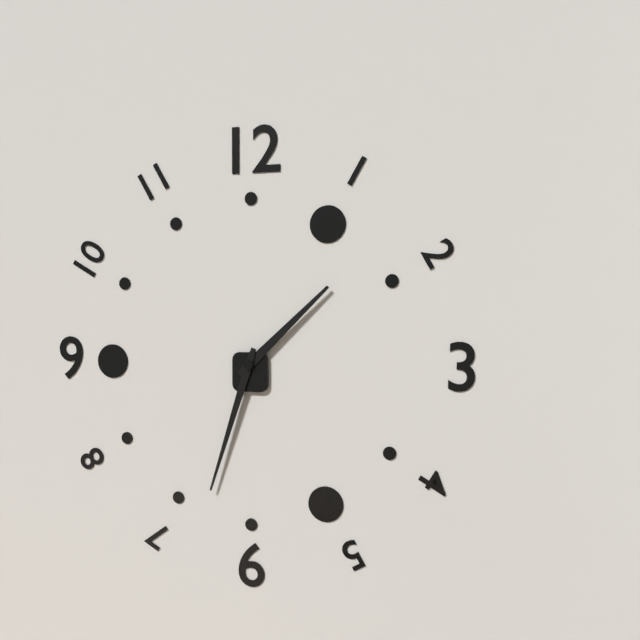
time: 1:33
